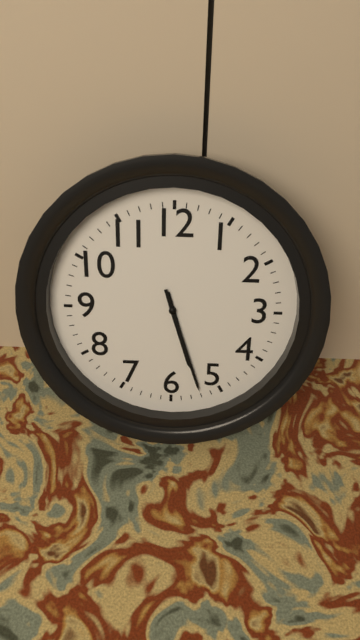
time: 5:27
